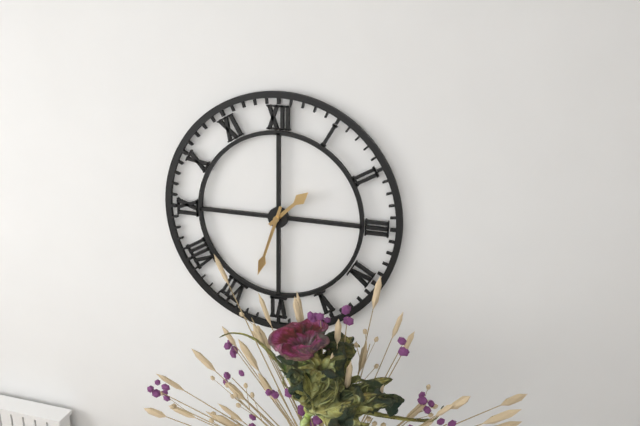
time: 1:33
